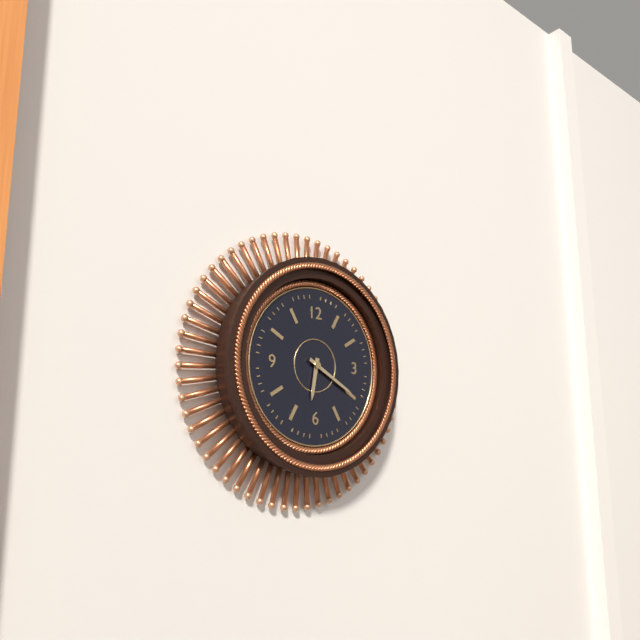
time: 6:20
